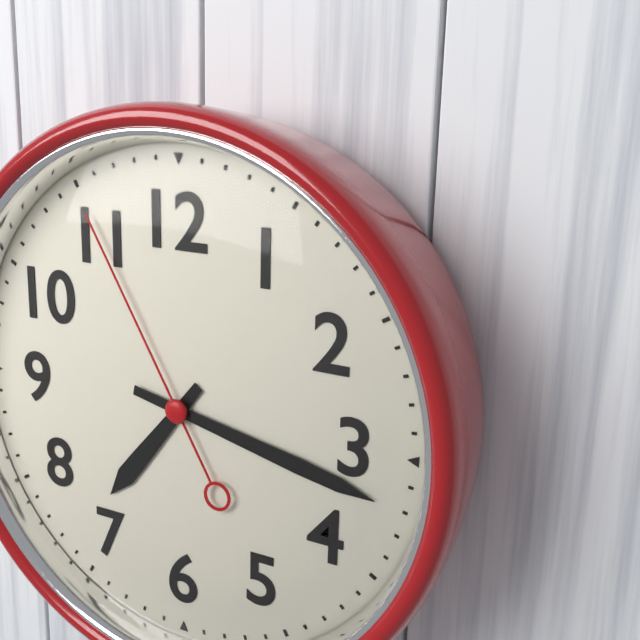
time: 7:17:55
